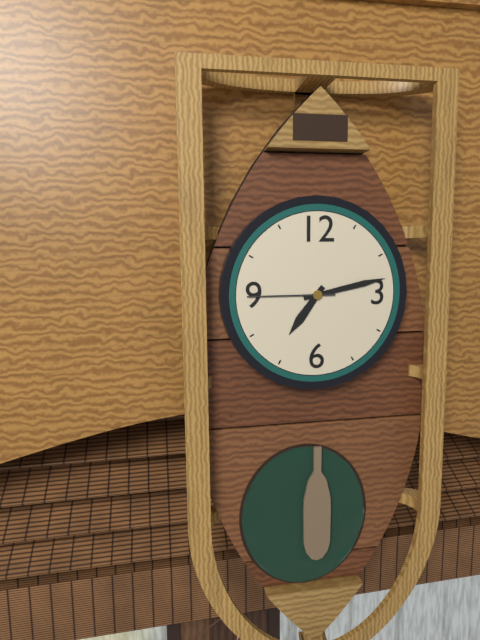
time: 7:13:45
